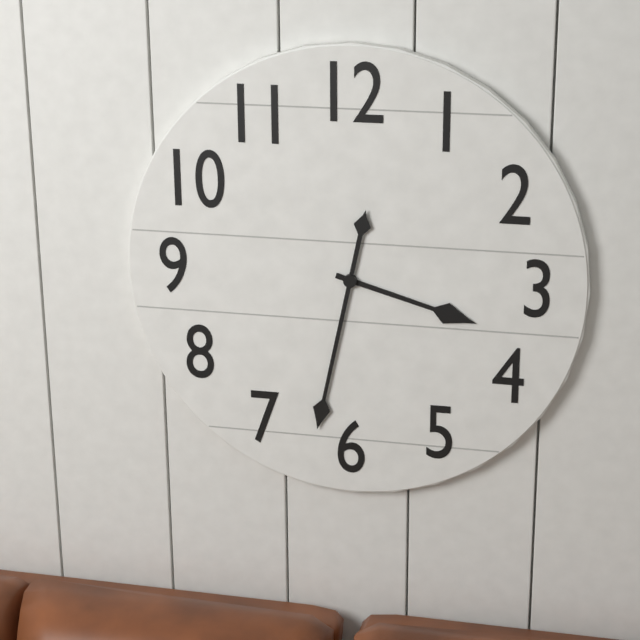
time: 3:32
